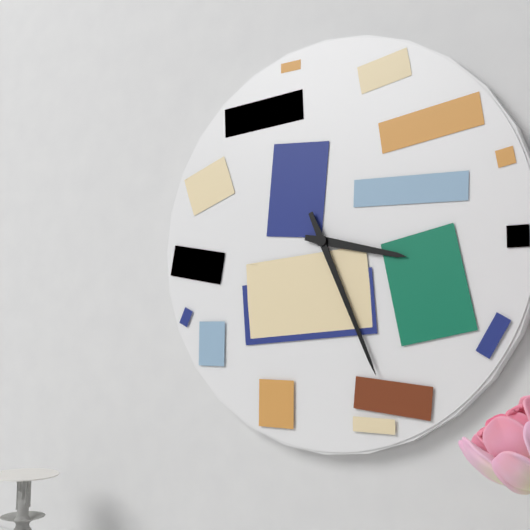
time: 3:26
